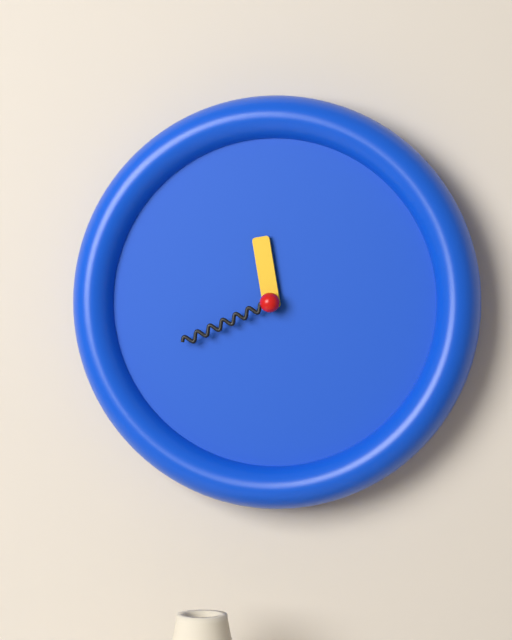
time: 11:41
